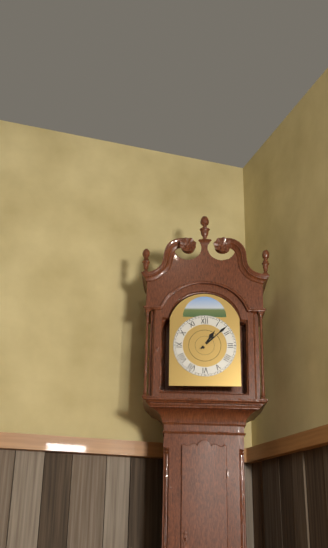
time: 1:08
